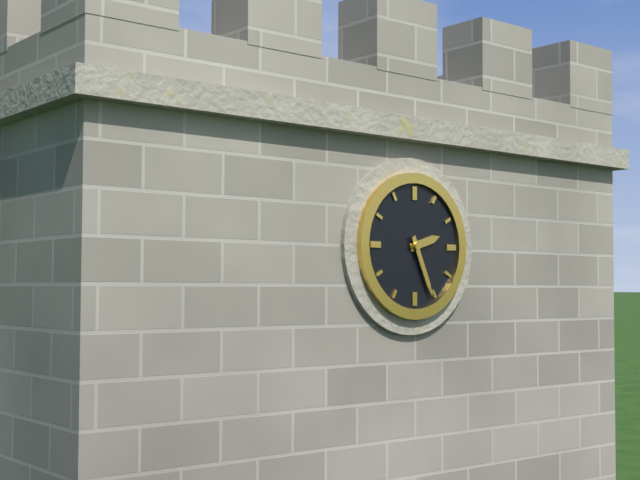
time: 2:26
